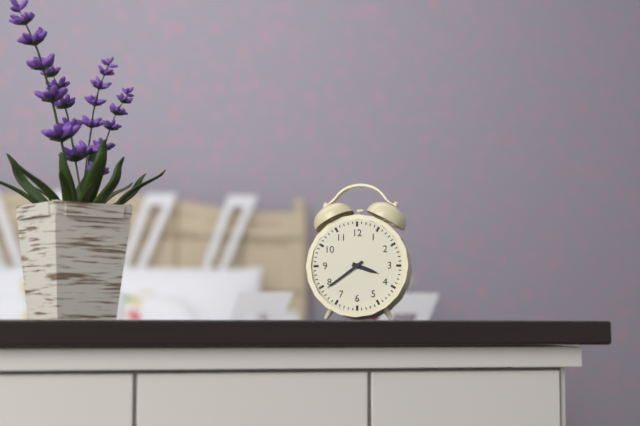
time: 3:39
